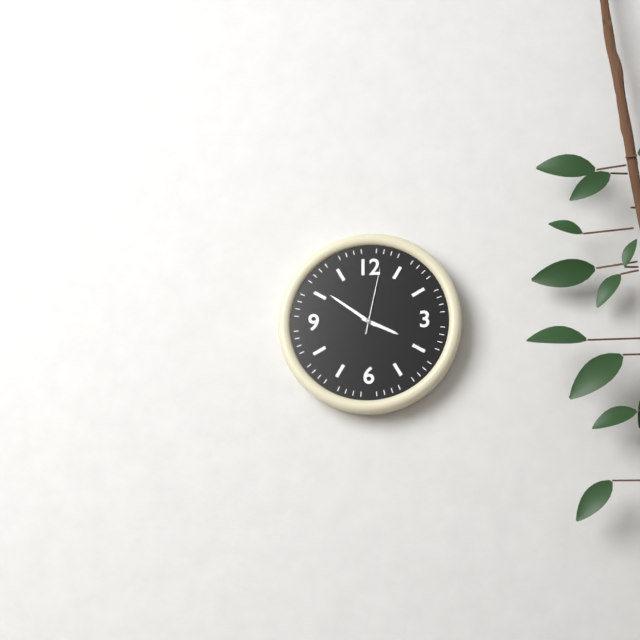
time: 3:51:02
